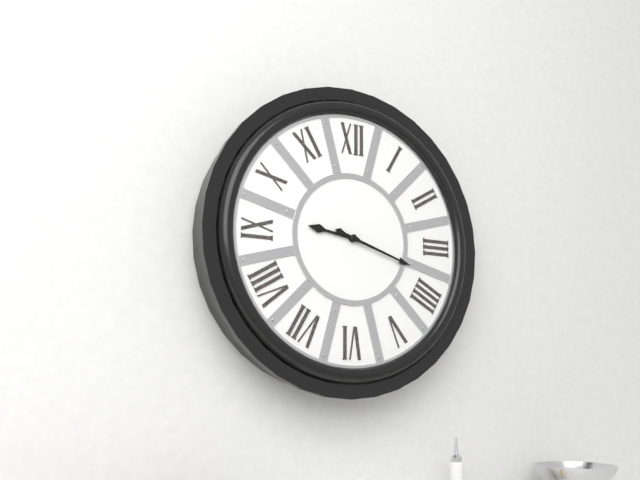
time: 9:18
